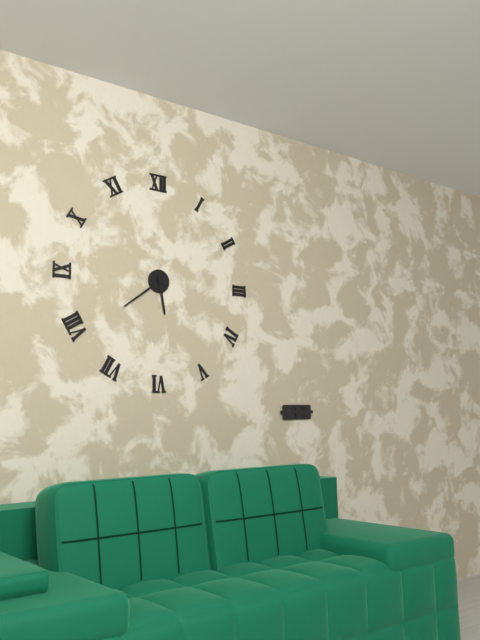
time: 5:39
